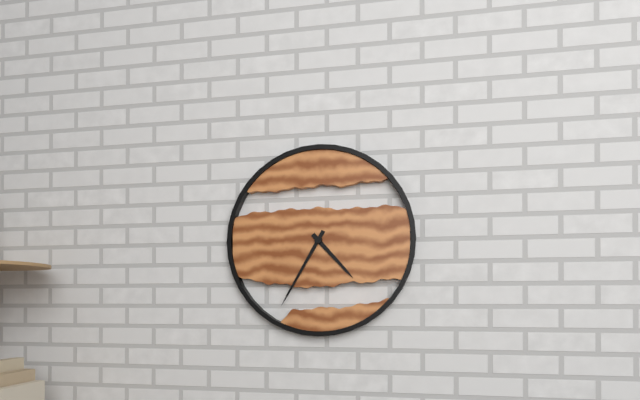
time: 4:35
